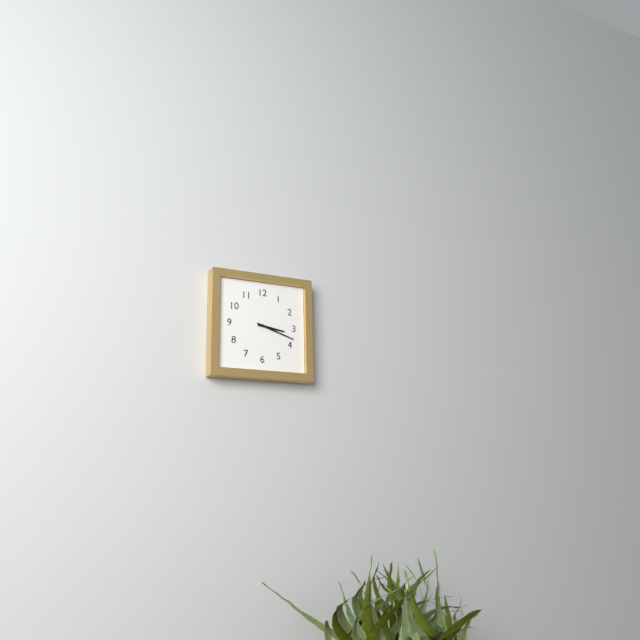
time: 3:18
